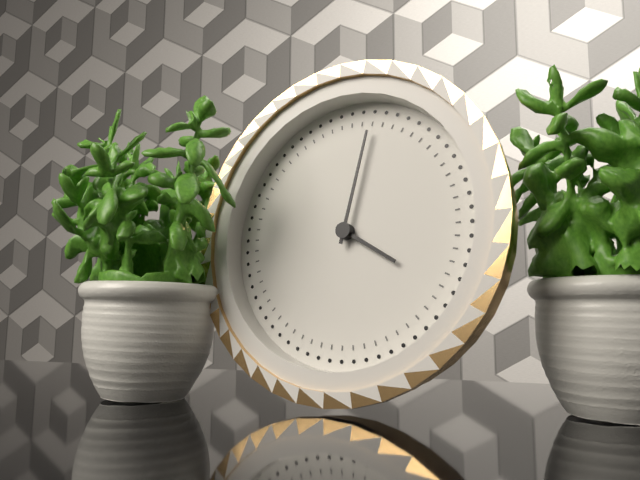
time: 4:02
